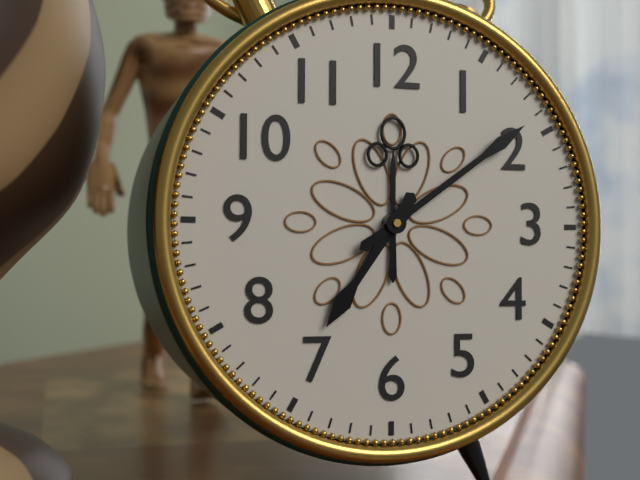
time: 7:09
